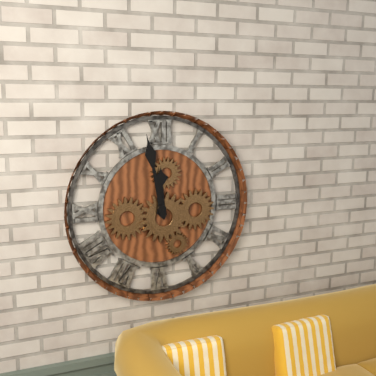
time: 11:58
